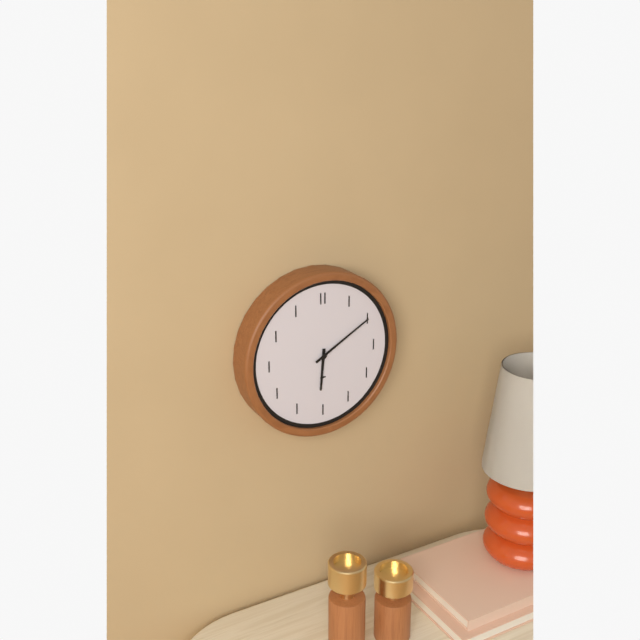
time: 6:10
